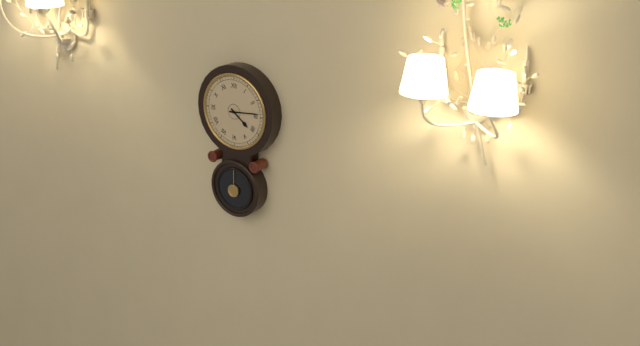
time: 4:14
